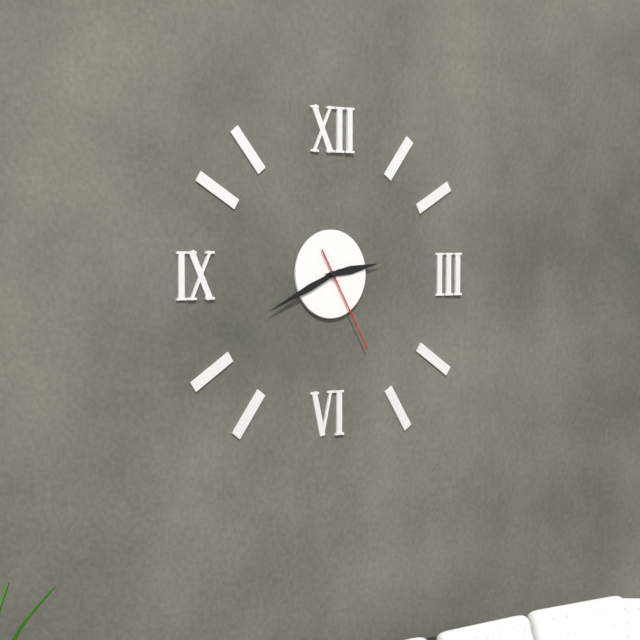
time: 2:41:25
